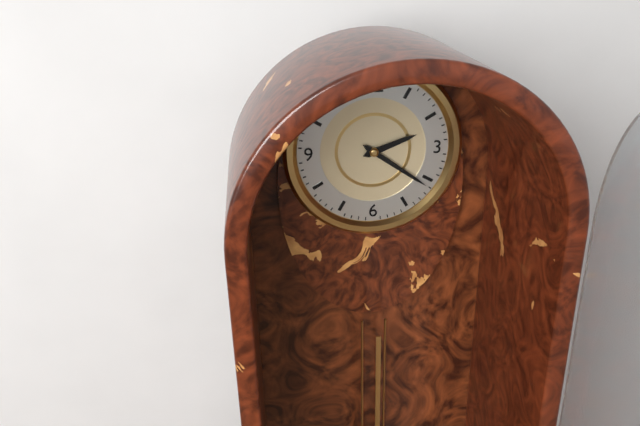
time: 2:21
